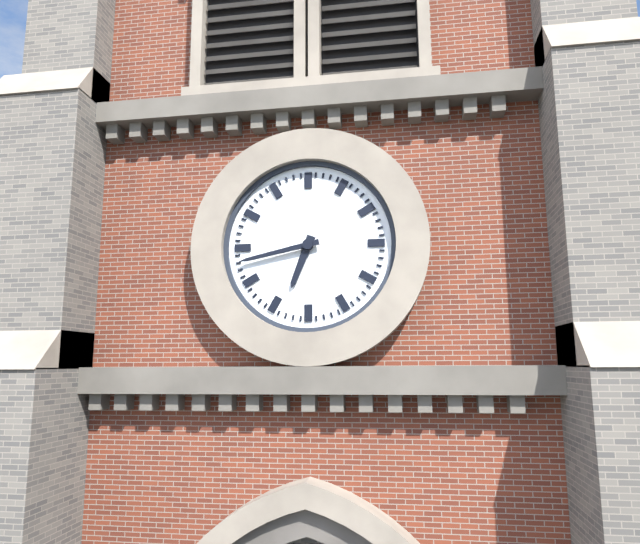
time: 6:43
